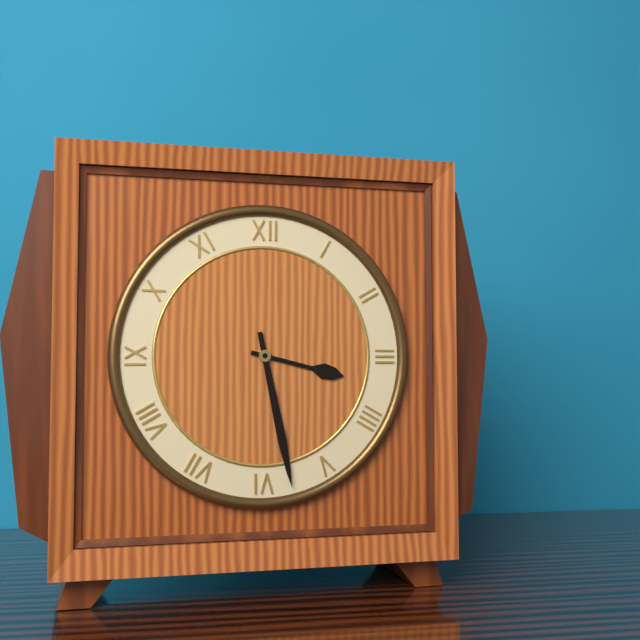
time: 3:28
